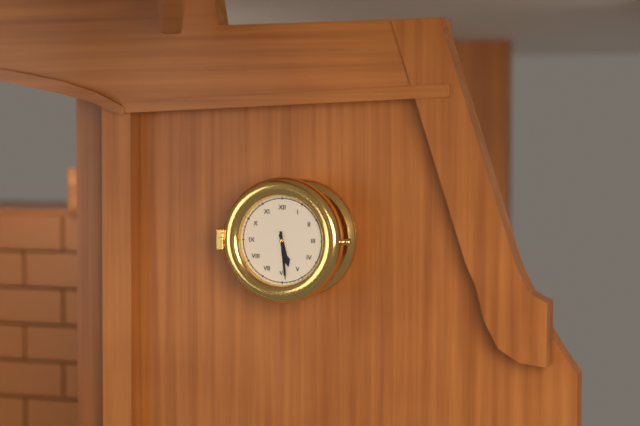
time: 5:29
